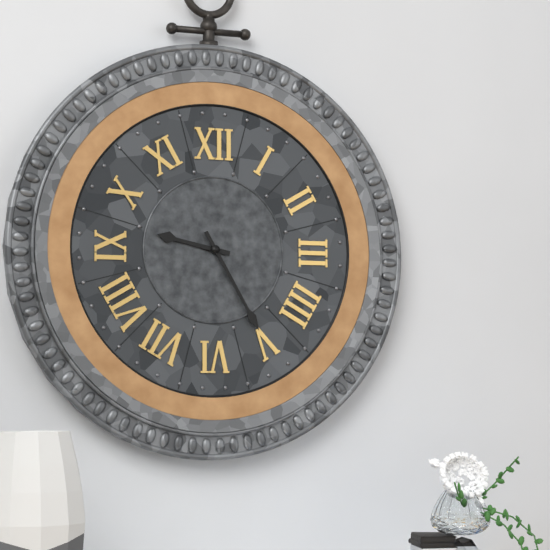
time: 9:25
